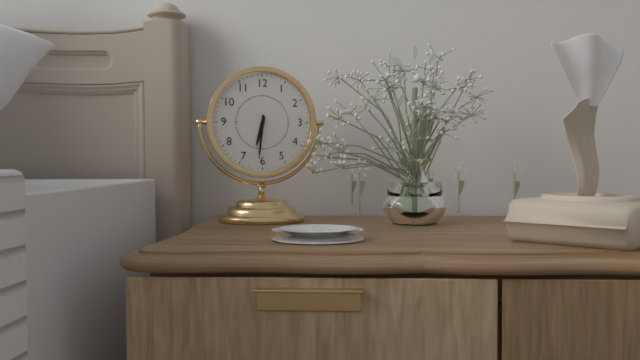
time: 6:31
